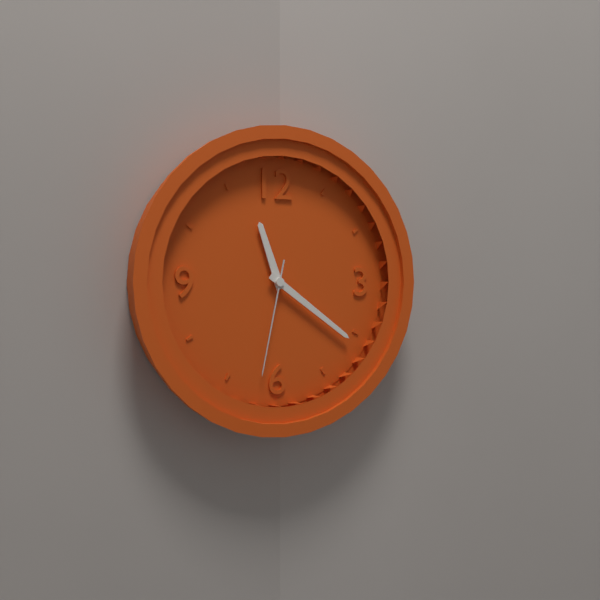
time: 11:21:32
